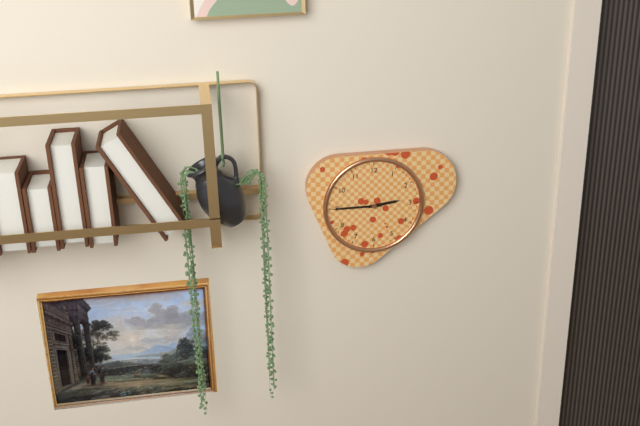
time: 2:45
